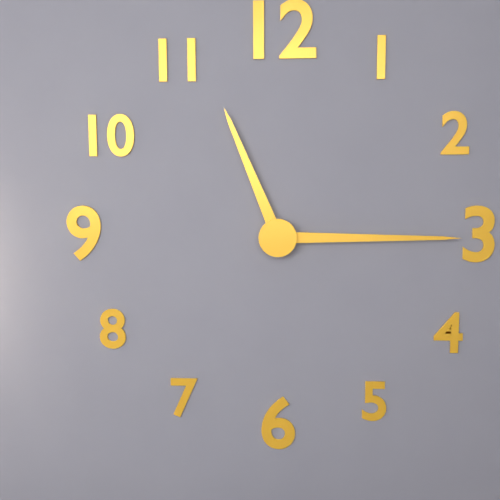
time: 11:15
